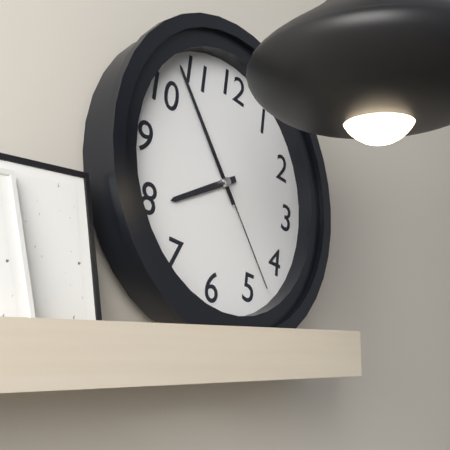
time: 7:53:23
